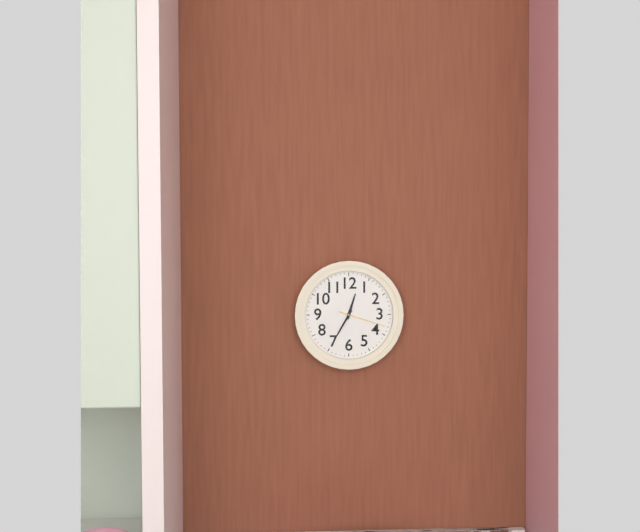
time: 12:35
